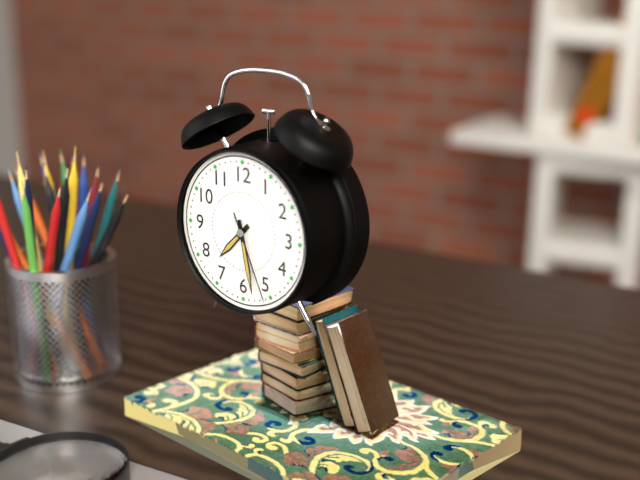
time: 7:28:26
